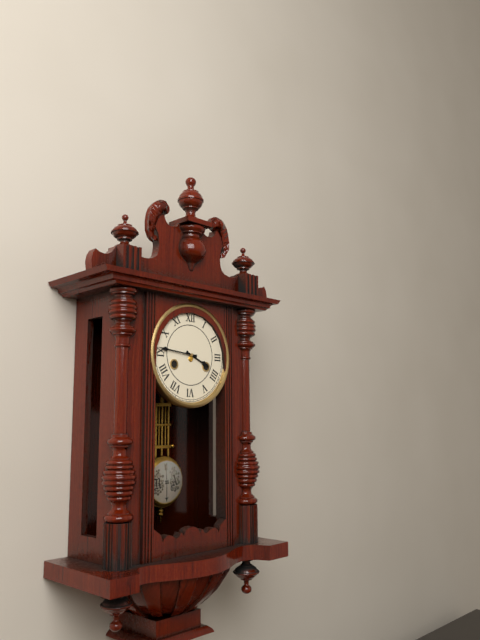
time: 3:46
